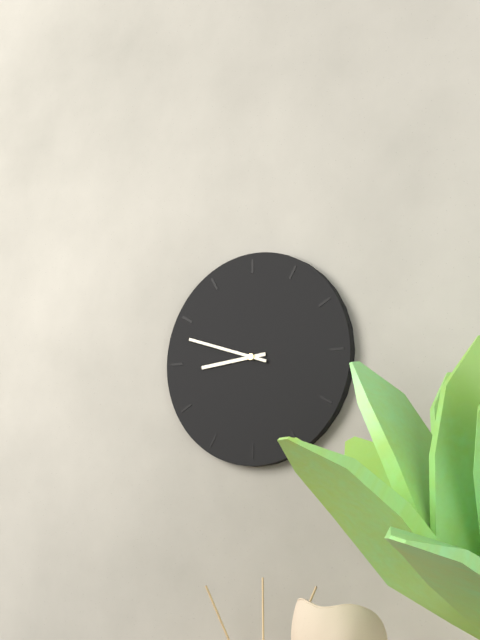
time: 8:48
